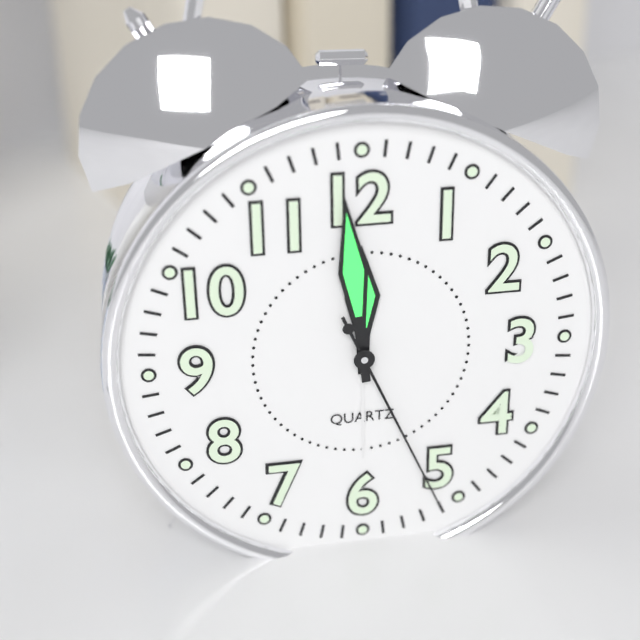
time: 11:59:26
